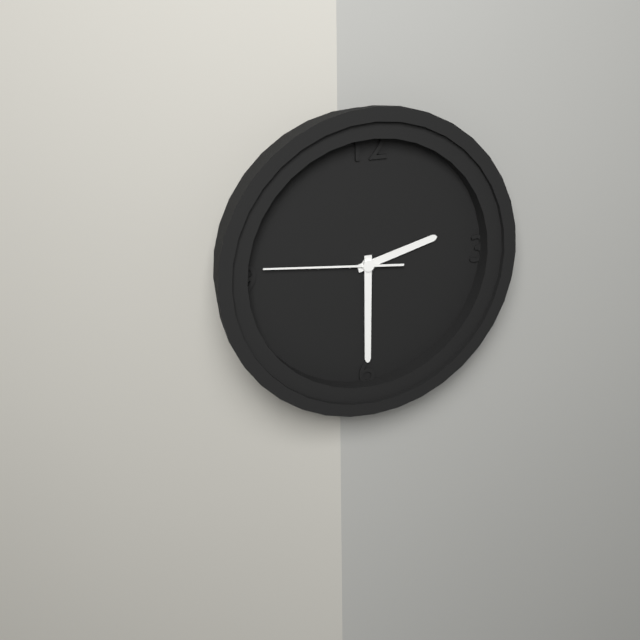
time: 2:30:46
